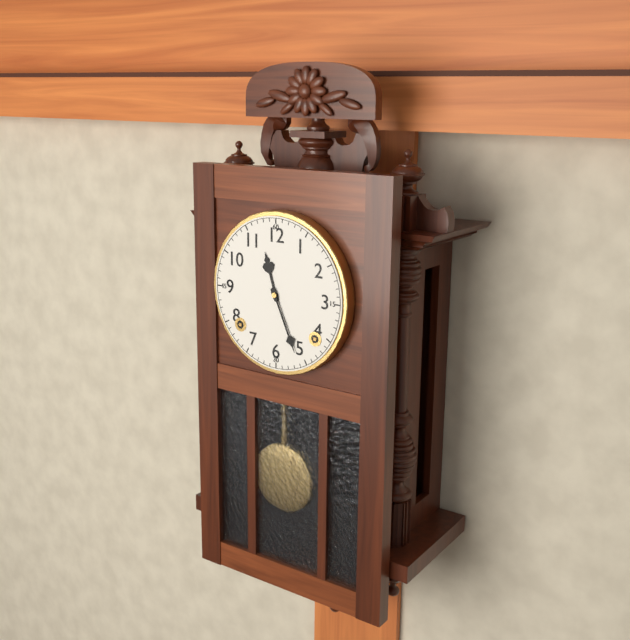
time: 11:26
